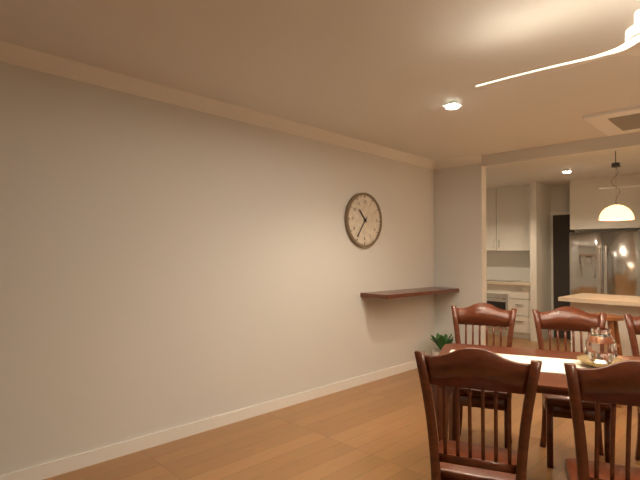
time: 10:36
